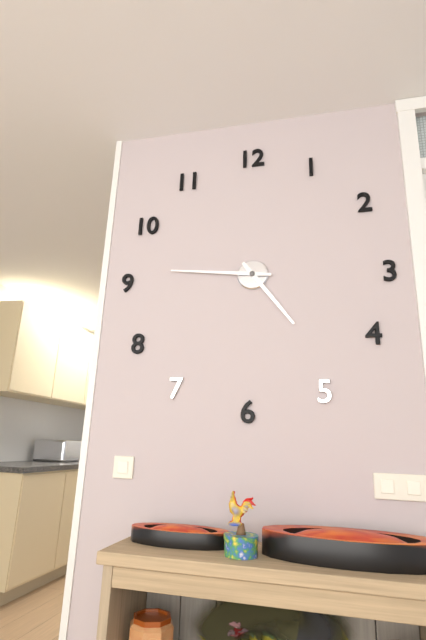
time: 4:46
